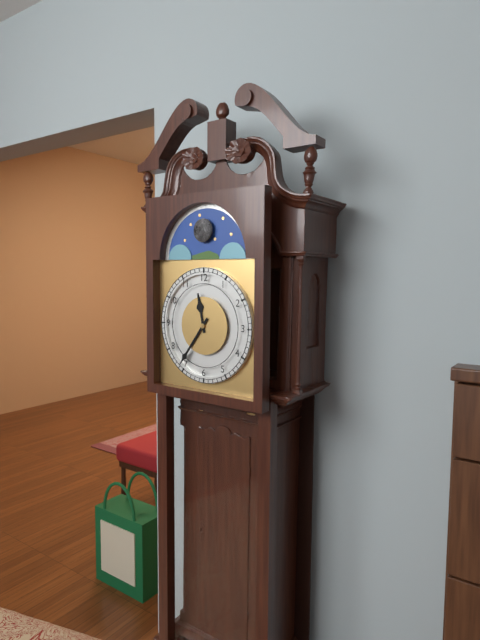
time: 11:36
